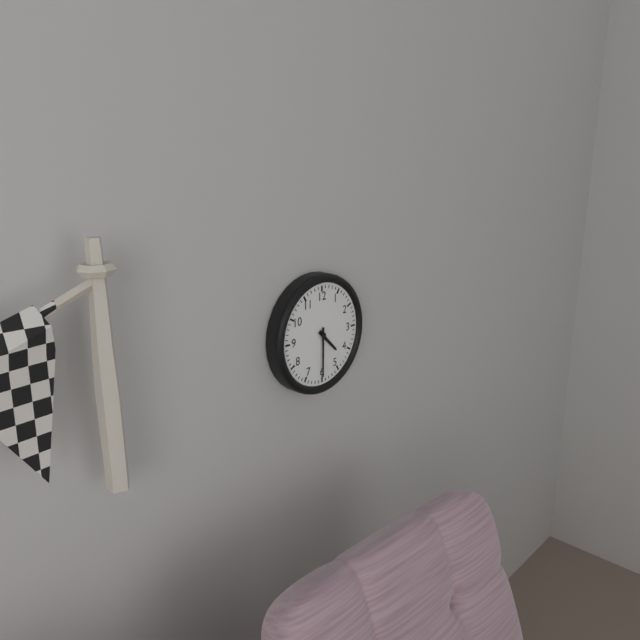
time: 4:30
